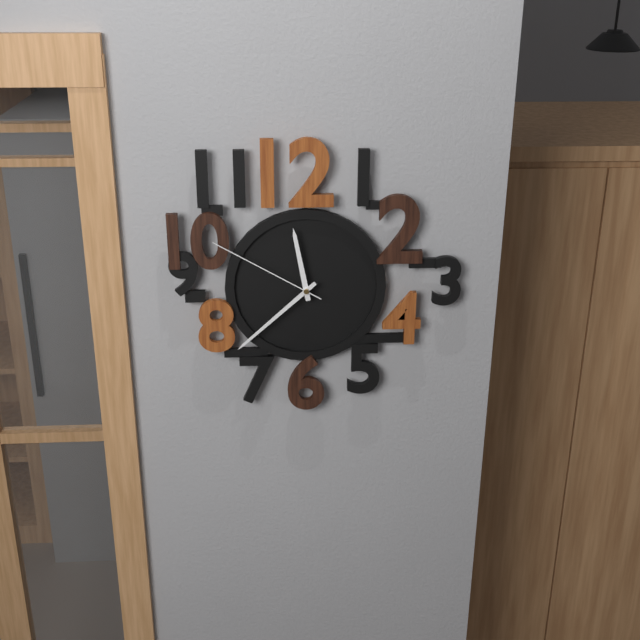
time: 11:38:50
